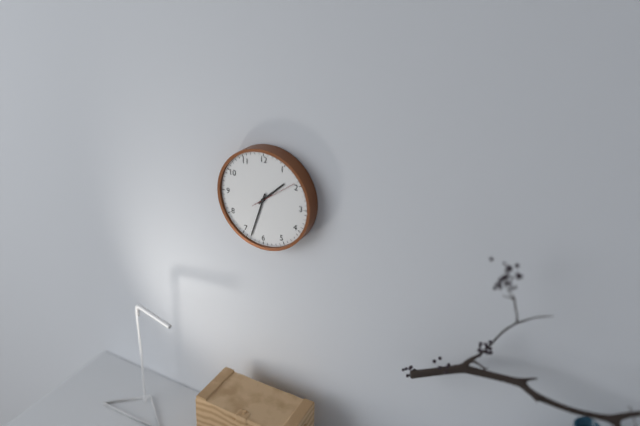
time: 1:33
